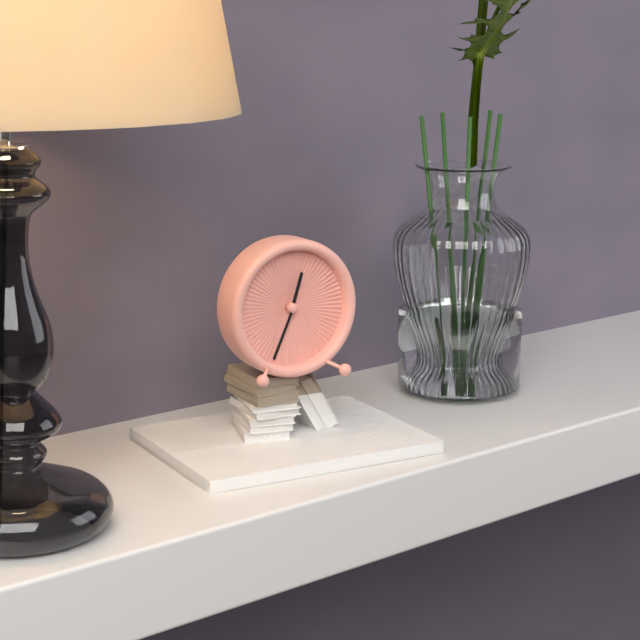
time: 12:34
